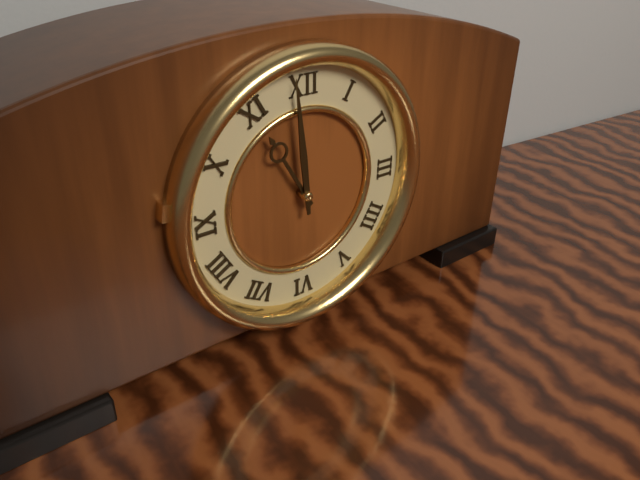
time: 10:59
